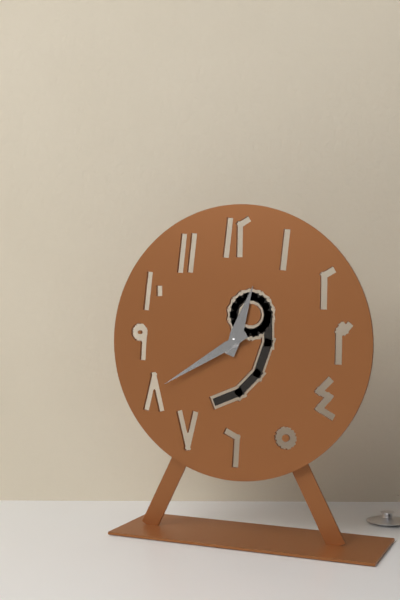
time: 12:40
